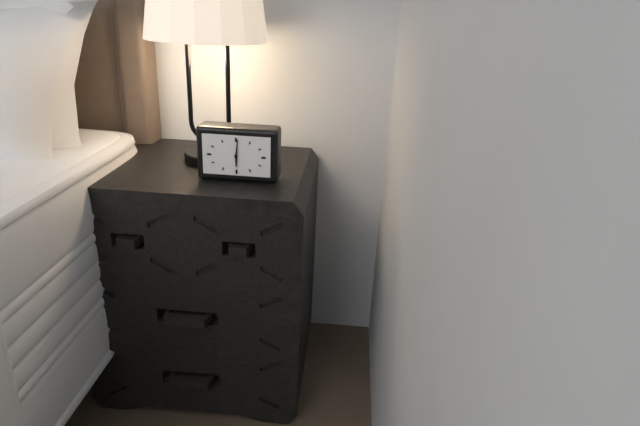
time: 6:01
